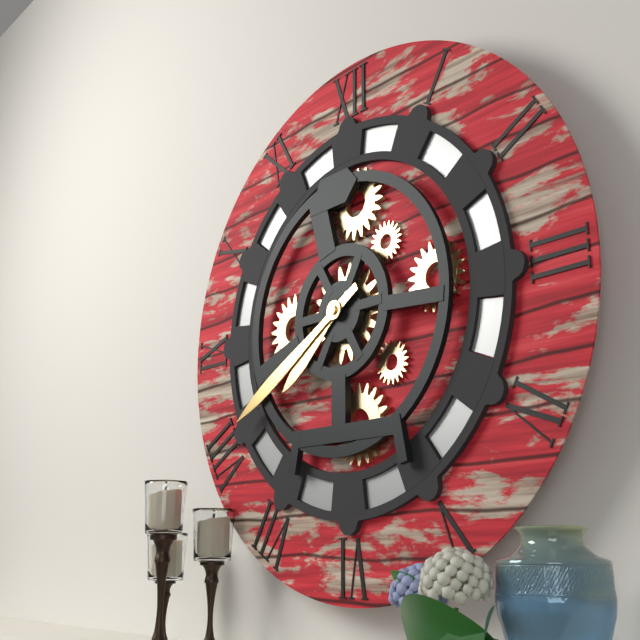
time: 7:40
